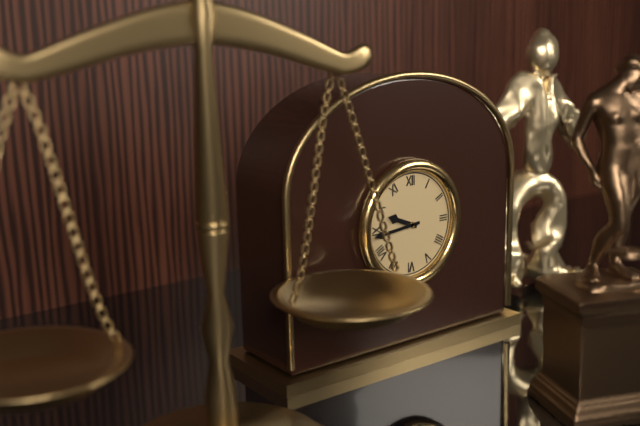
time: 9:44
